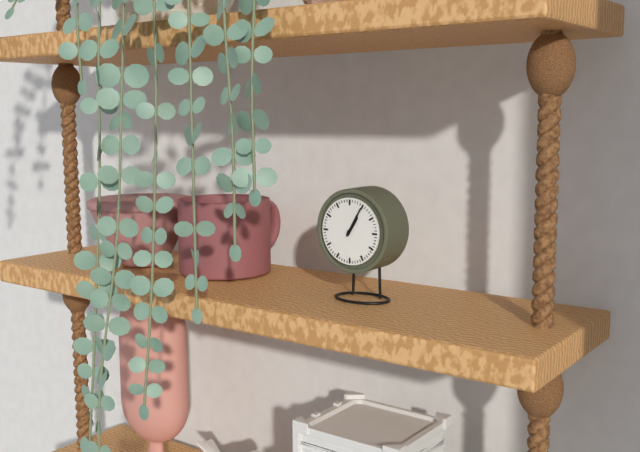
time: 1:05
